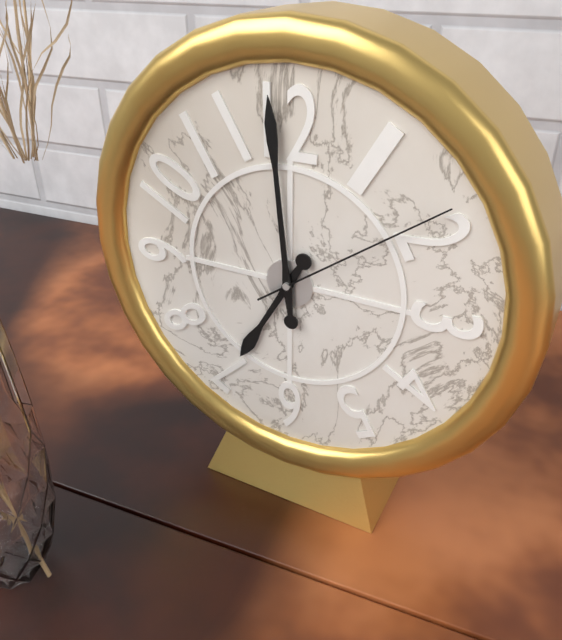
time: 6:59:09
